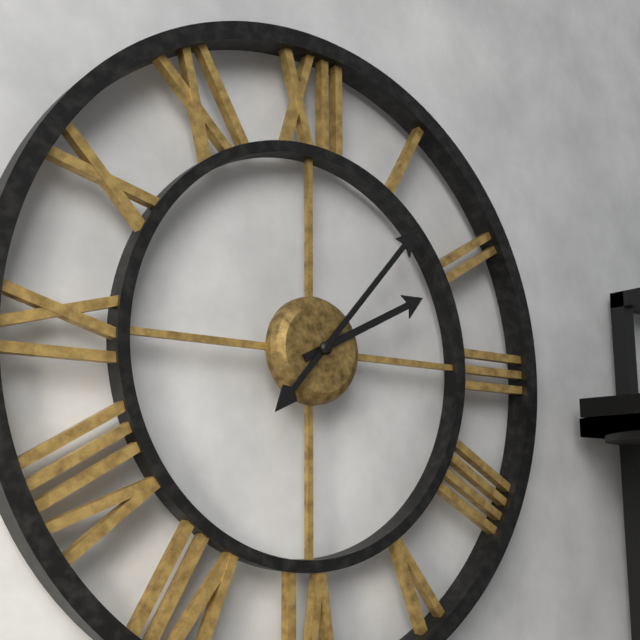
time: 2:07
